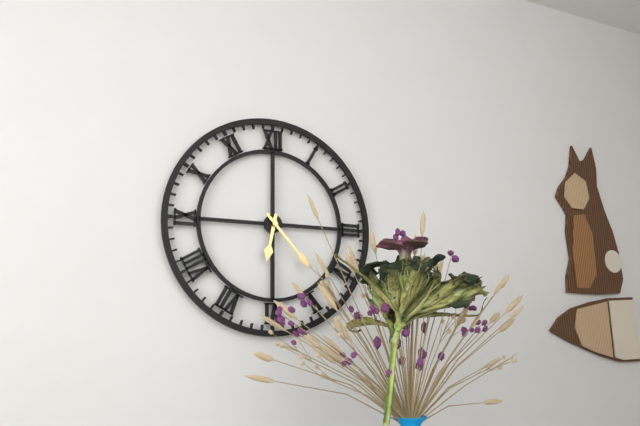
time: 6:23
